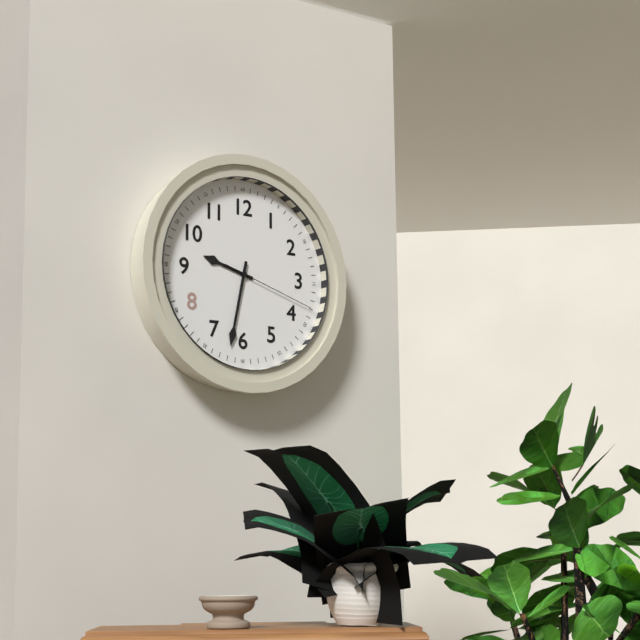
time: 9:32:18
